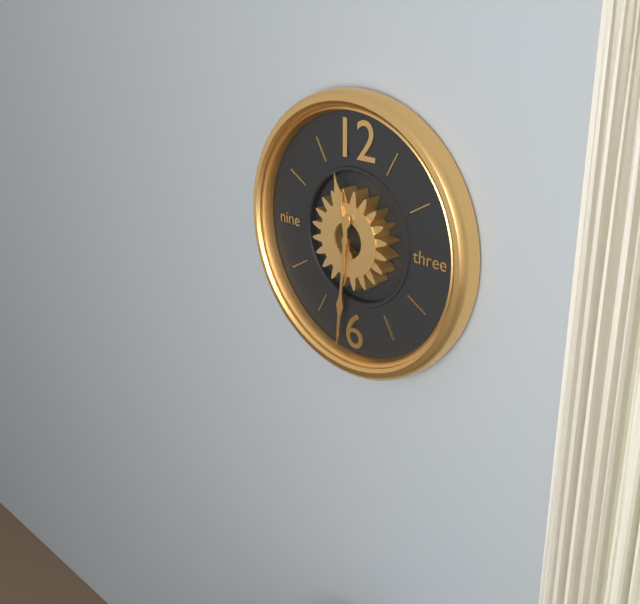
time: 11:31
